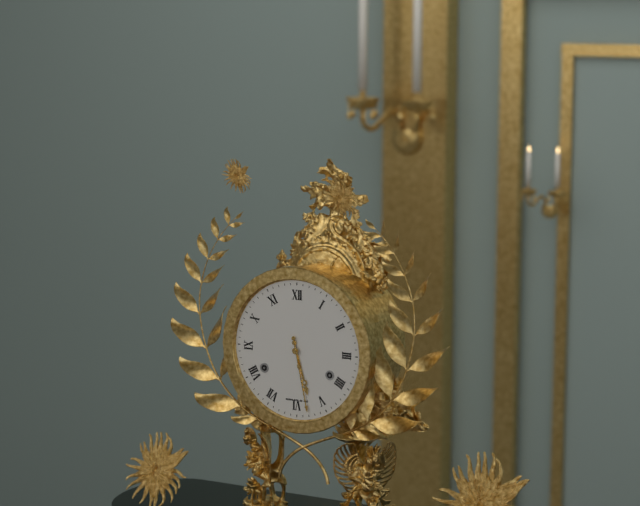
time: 5:28
